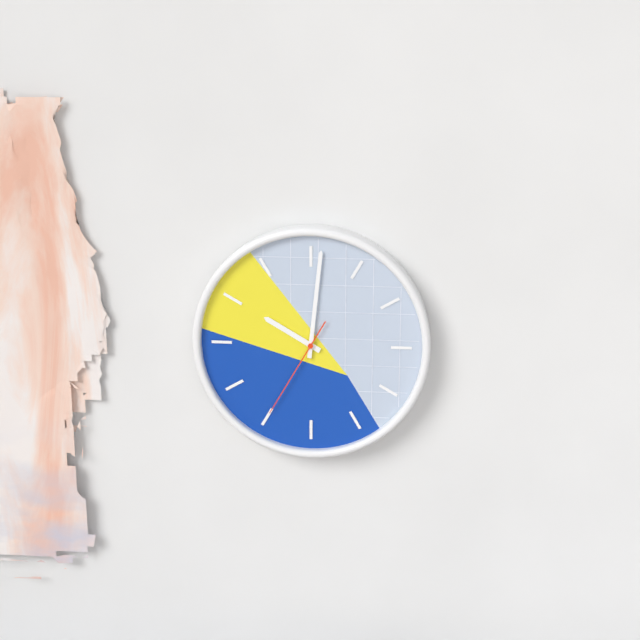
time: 10:01:35
